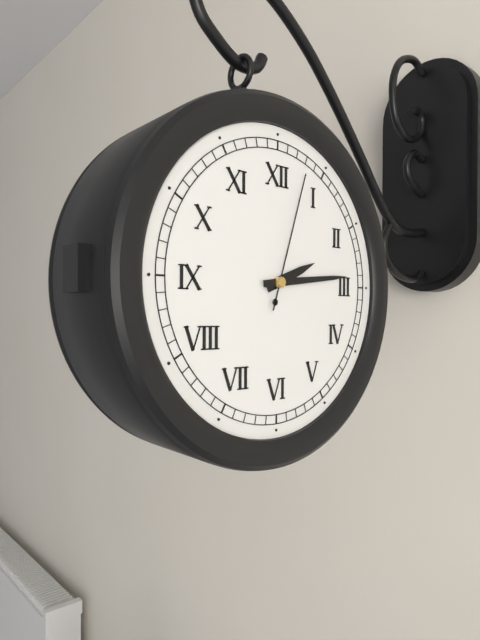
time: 2:14:03
